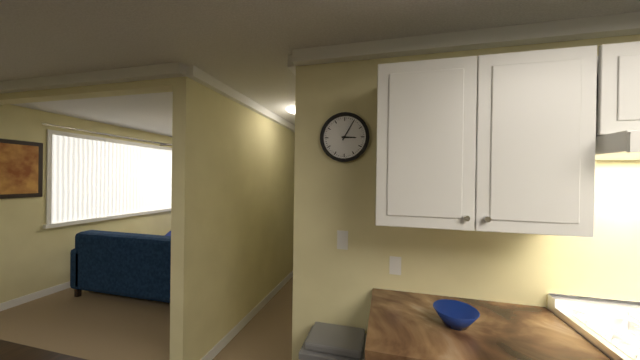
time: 3:05
